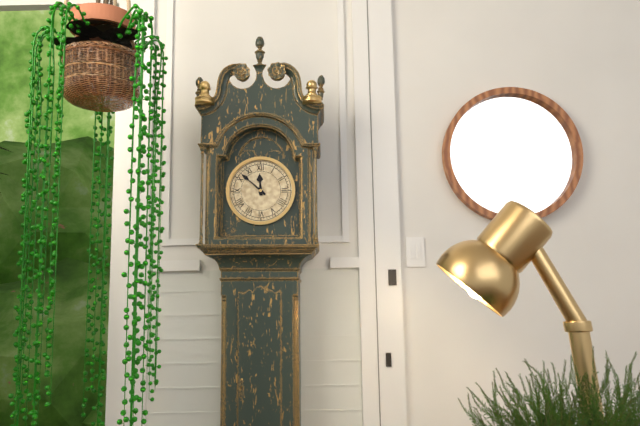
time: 11:52
